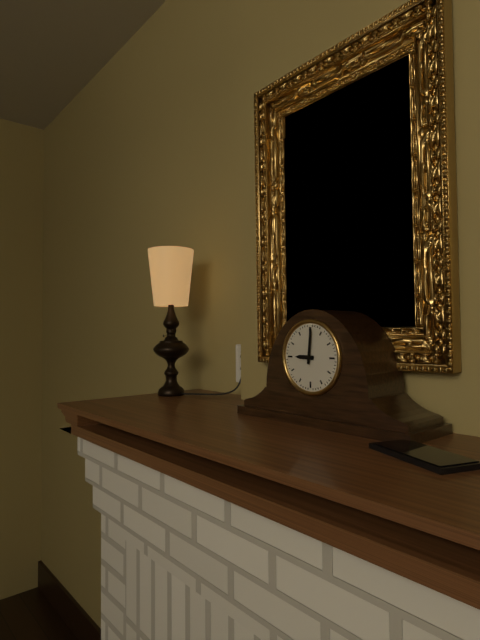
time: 9:01
